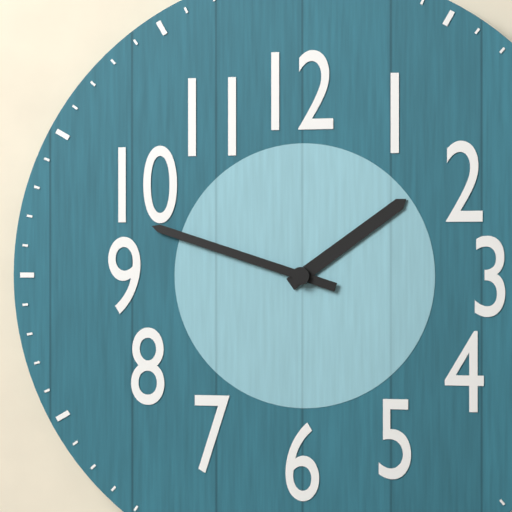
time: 1:48
